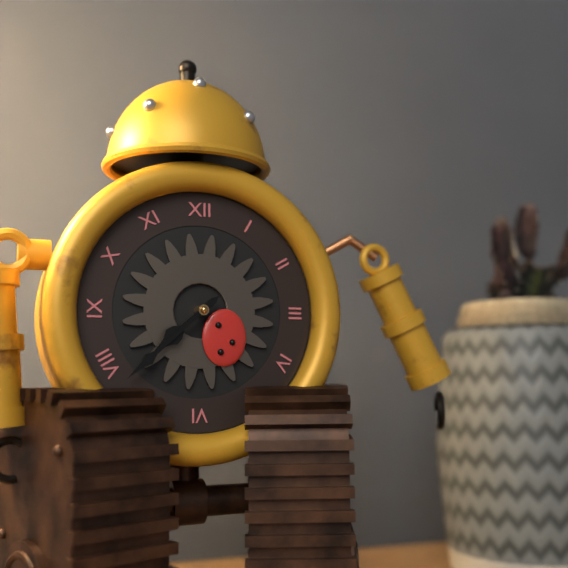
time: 7:38
